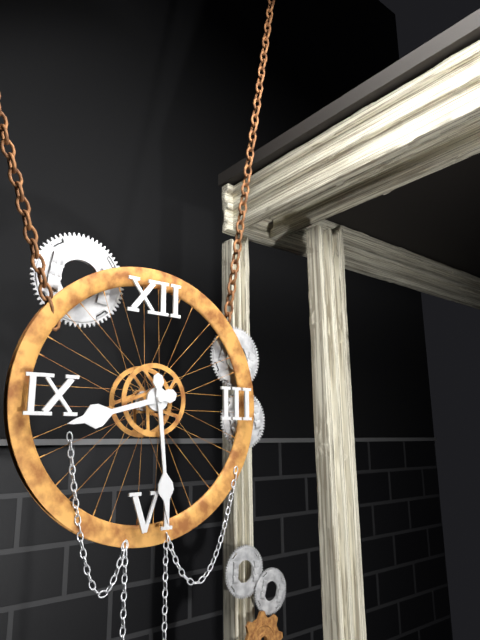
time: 8:29
